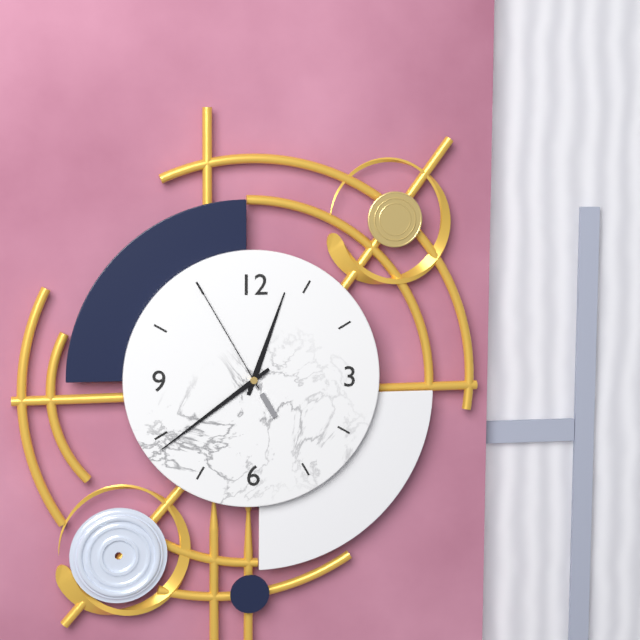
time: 12:39:55
